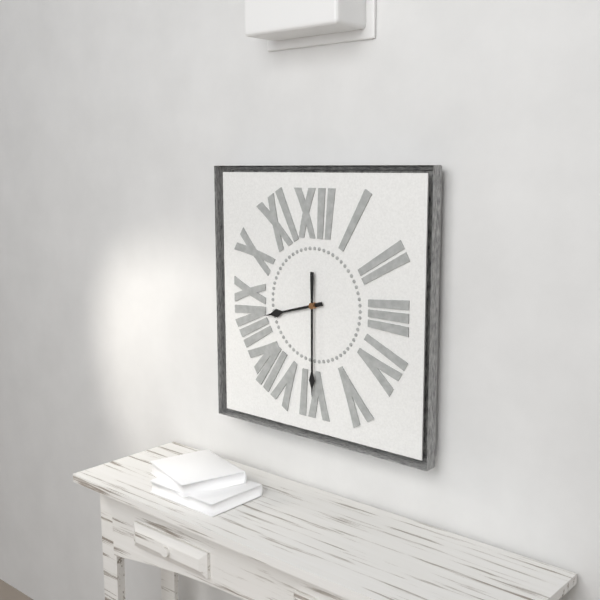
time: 8:30
